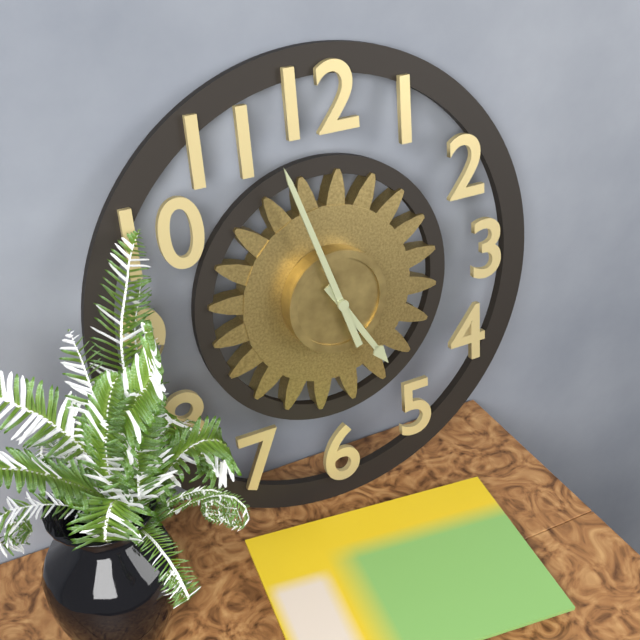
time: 4:57
